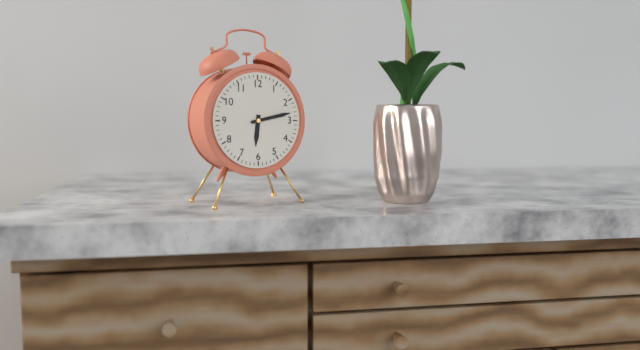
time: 6:13
